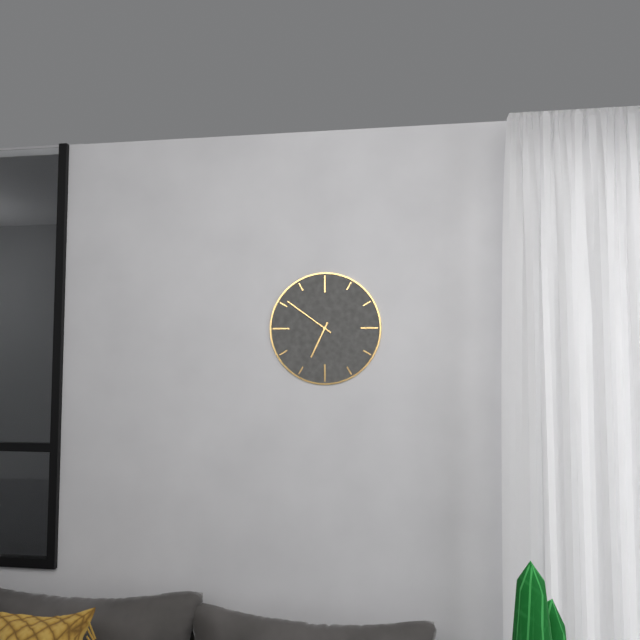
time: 6:51
